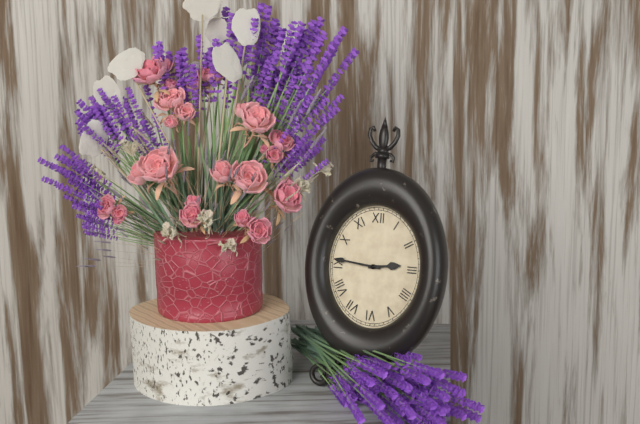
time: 2:46
